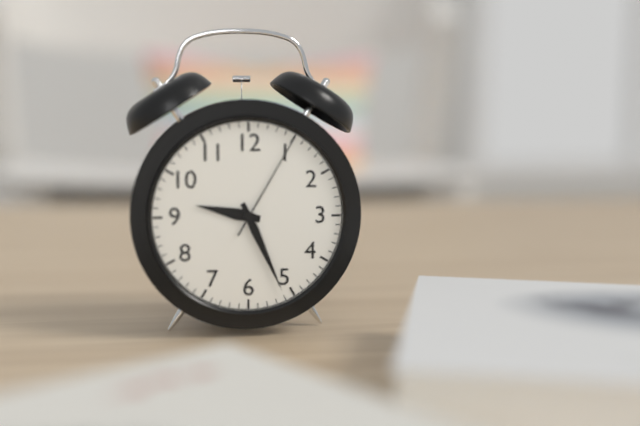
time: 9:26:05
